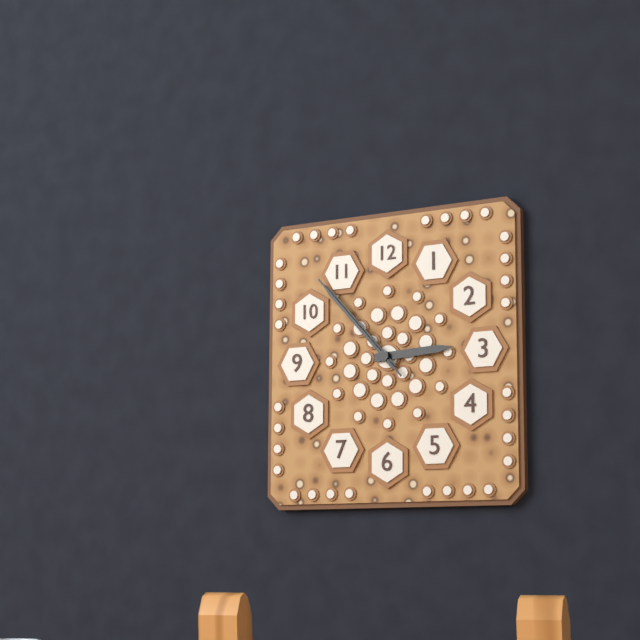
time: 2:53:53
